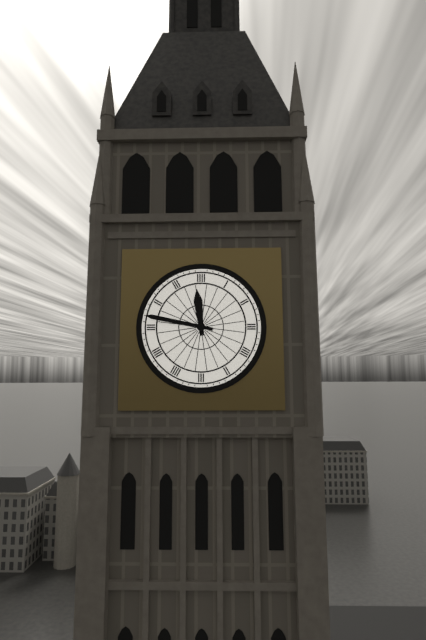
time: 11:47
